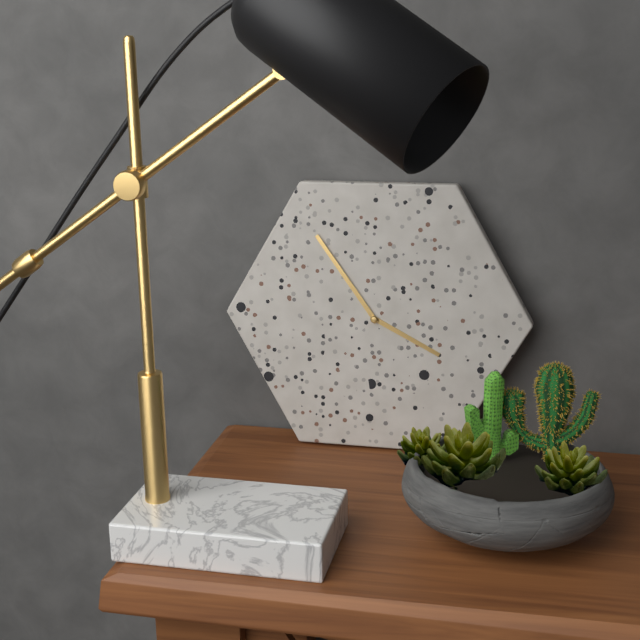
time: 3:54
